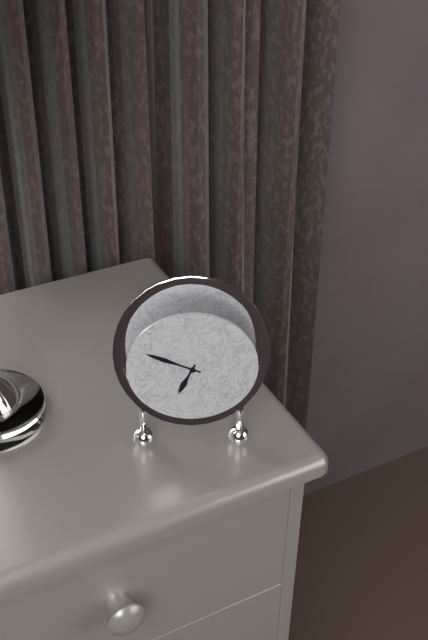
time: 6:49
